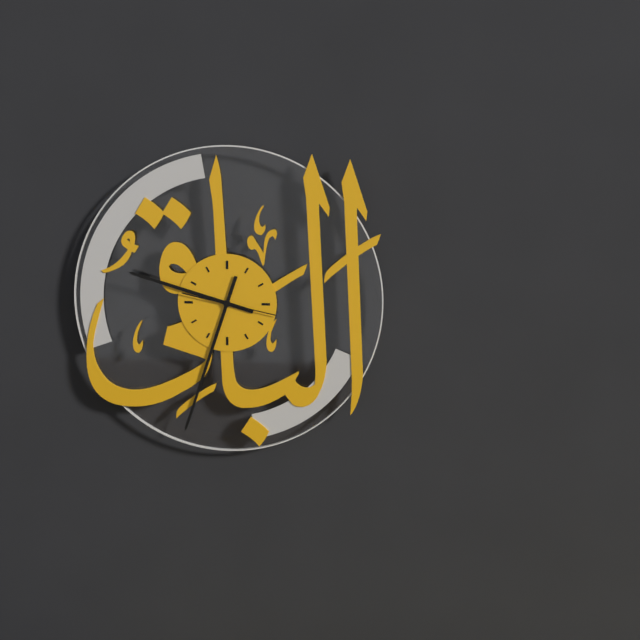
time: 9:33:17
